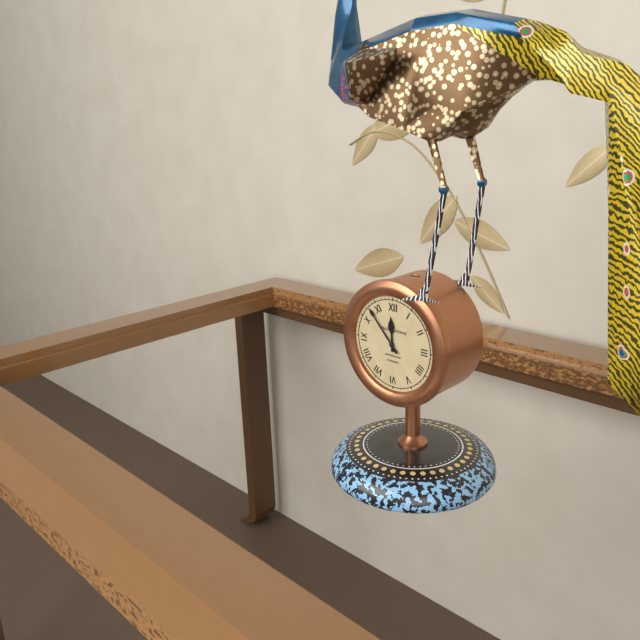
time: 11:53
